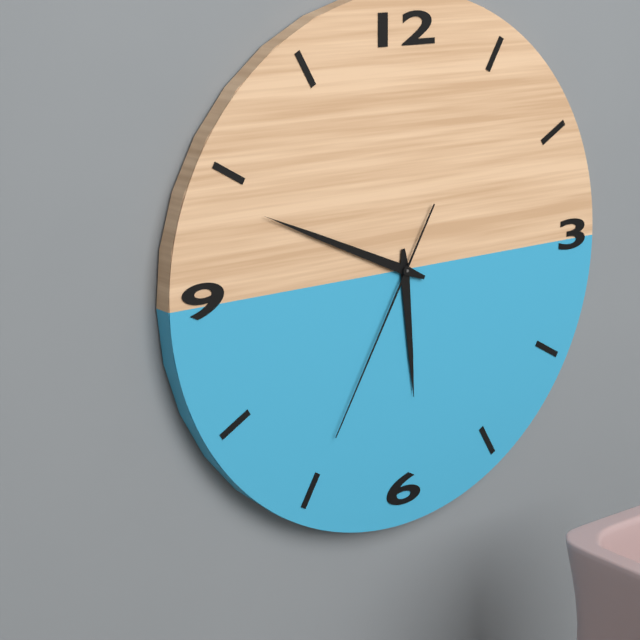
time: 5:49:35
